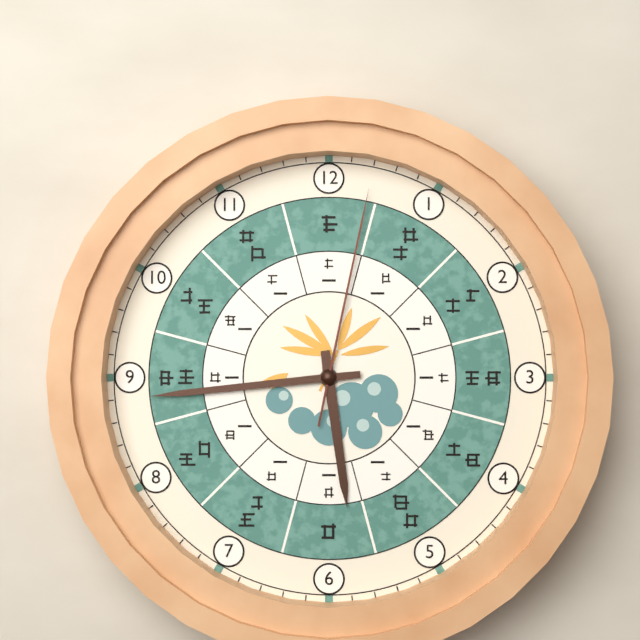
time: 5:44:02
